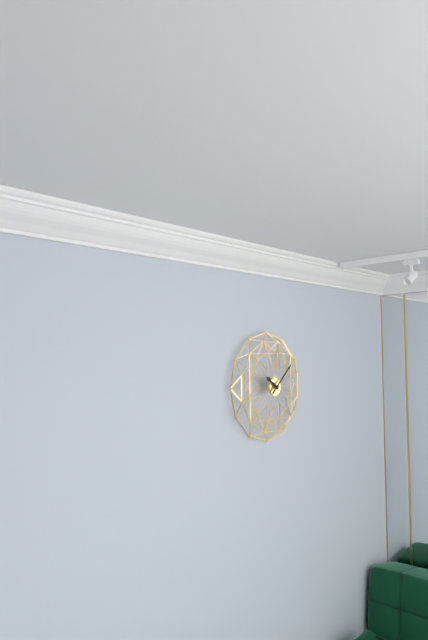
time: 10:08
